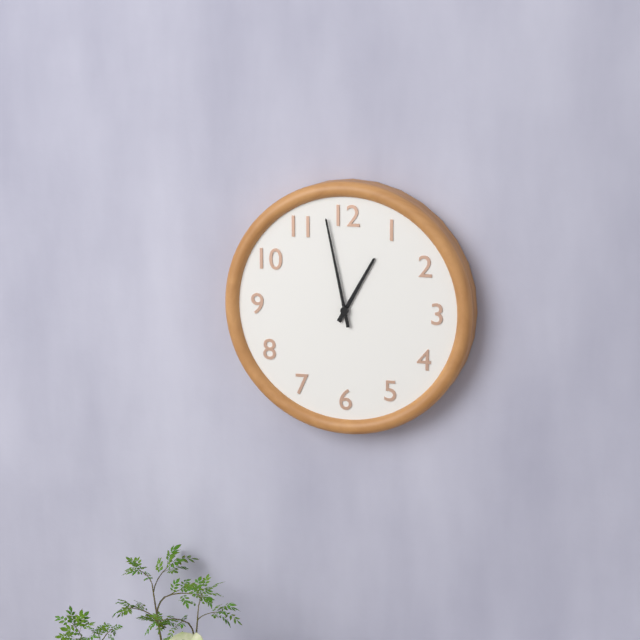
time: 12:58
